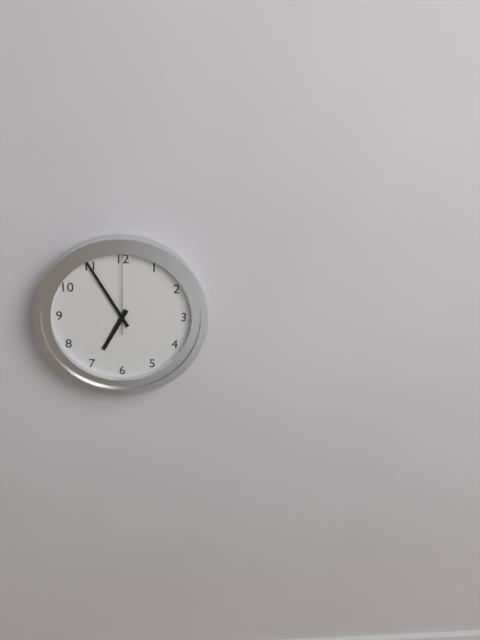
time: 6:55:00
